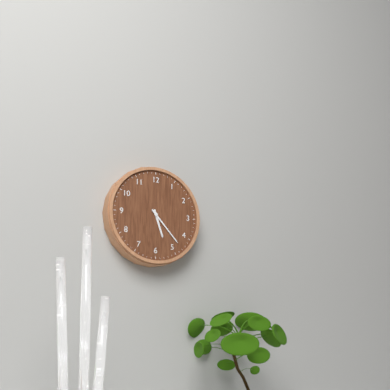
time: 5:23
